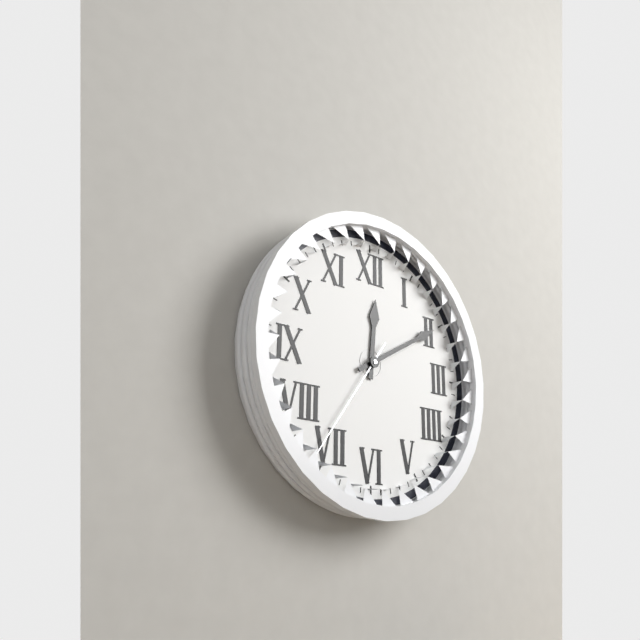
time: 12:10:36
